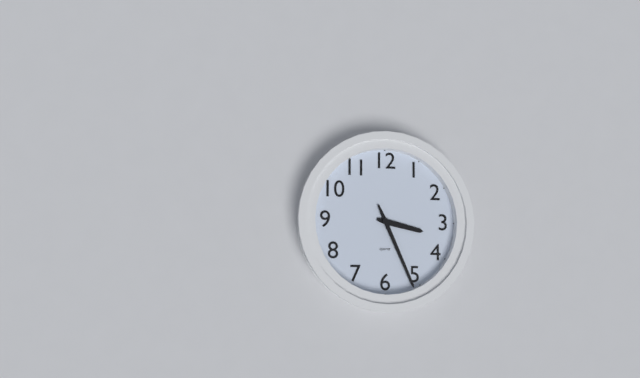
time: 3:26
